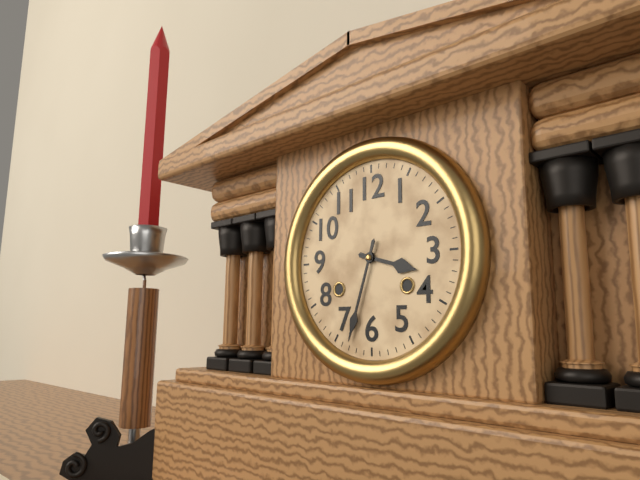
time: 3:33
